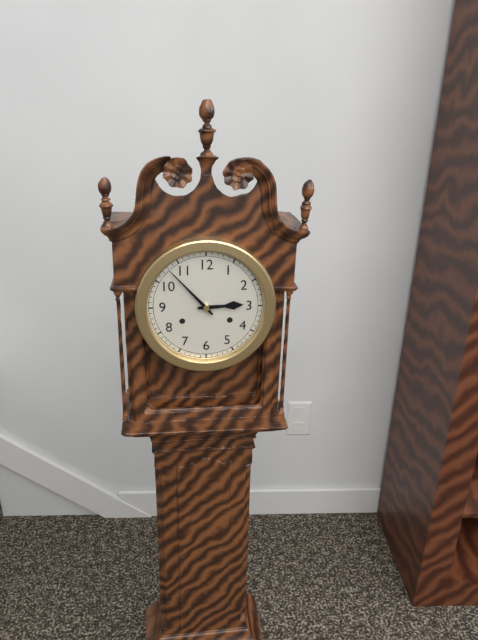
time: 2:53
